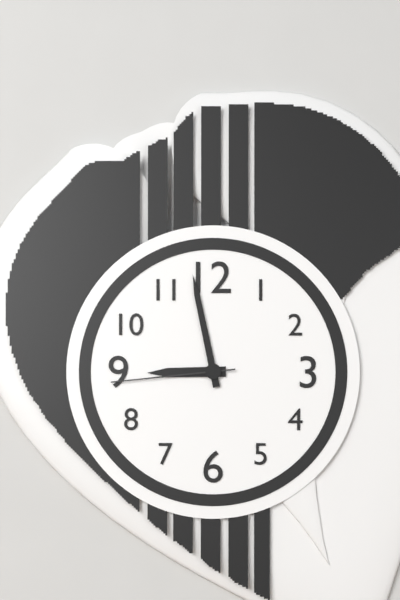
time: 8:58:44
